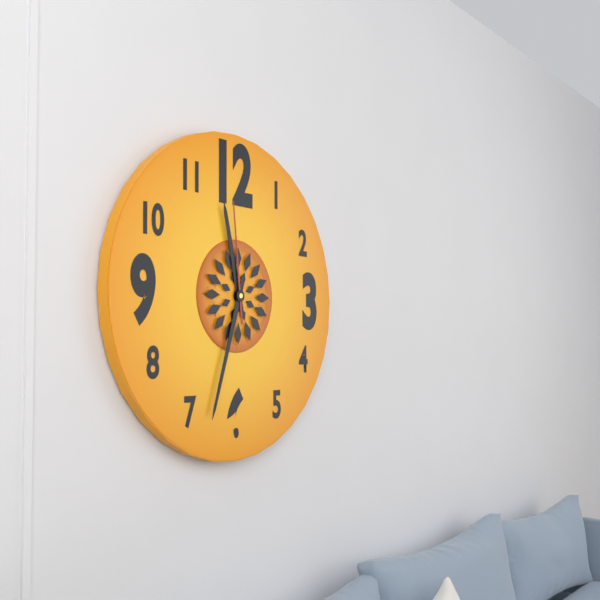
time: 11:33:59
